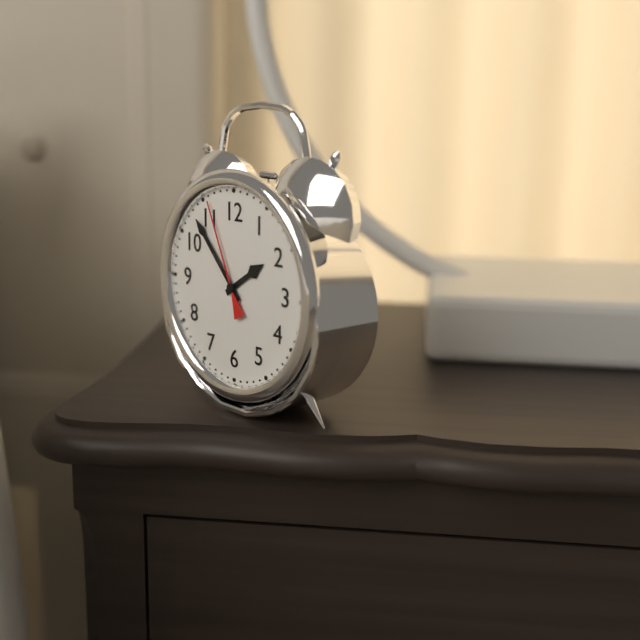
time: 1:53:56
